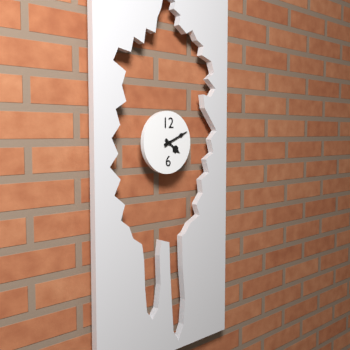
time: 4:11
